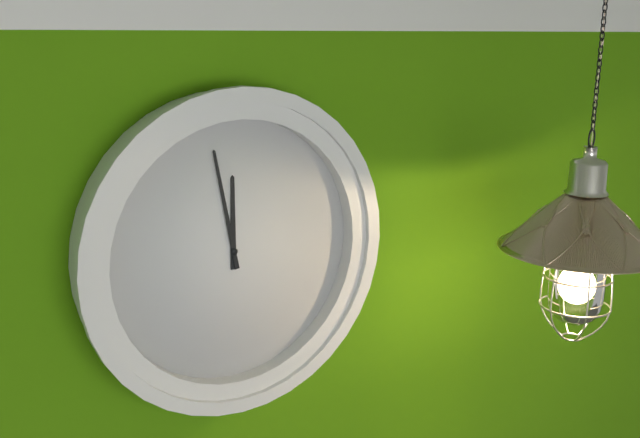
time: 11:58
